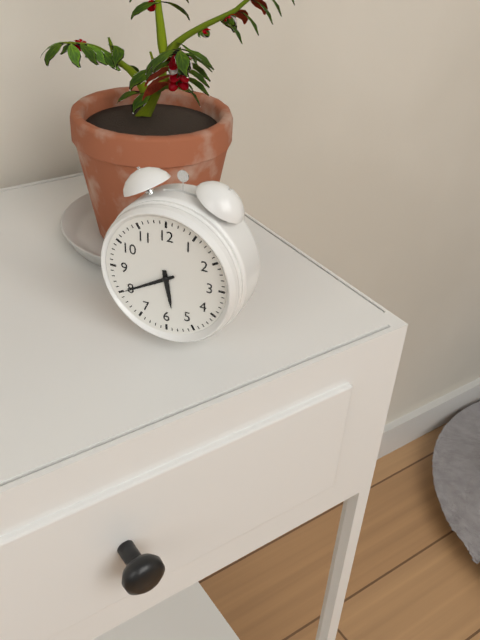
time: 5:40
